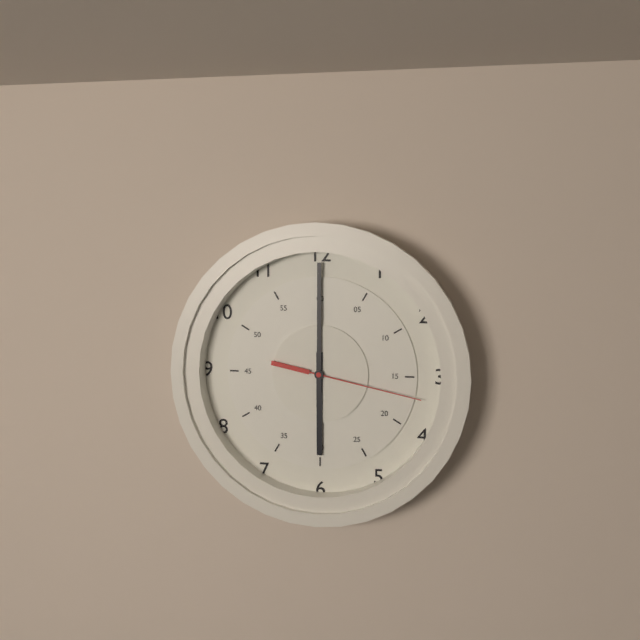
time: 6:00:17
